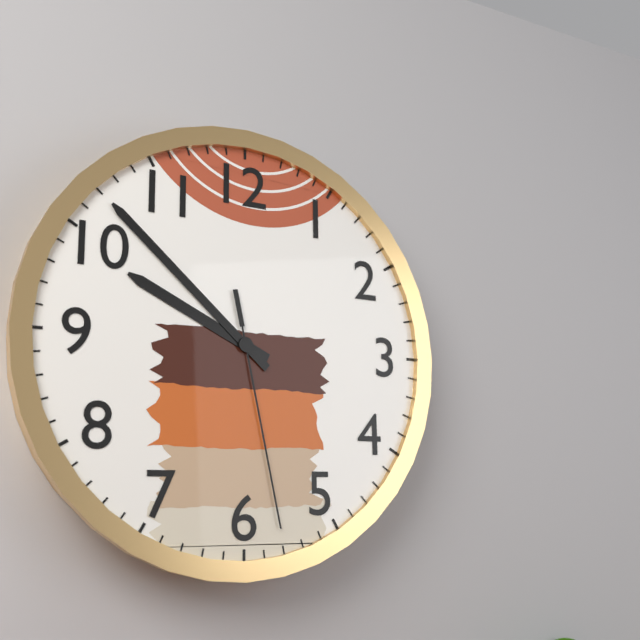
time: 9:52:28
